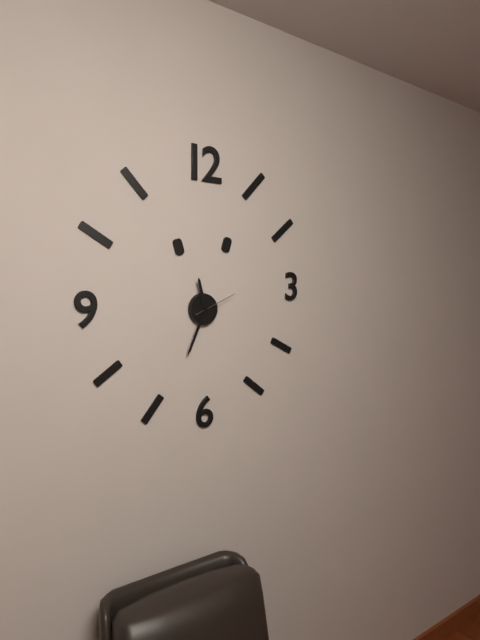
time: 11:34
